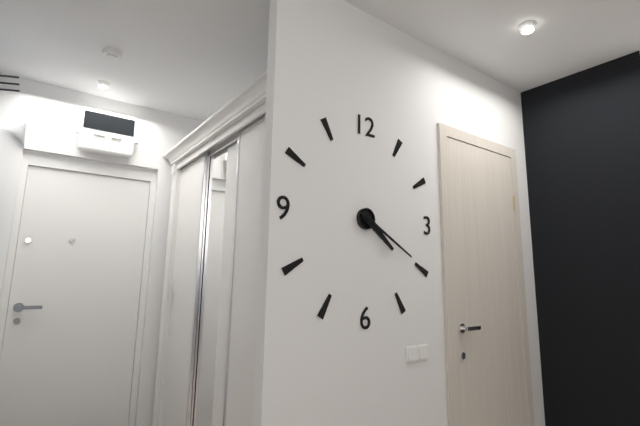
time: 4:20
